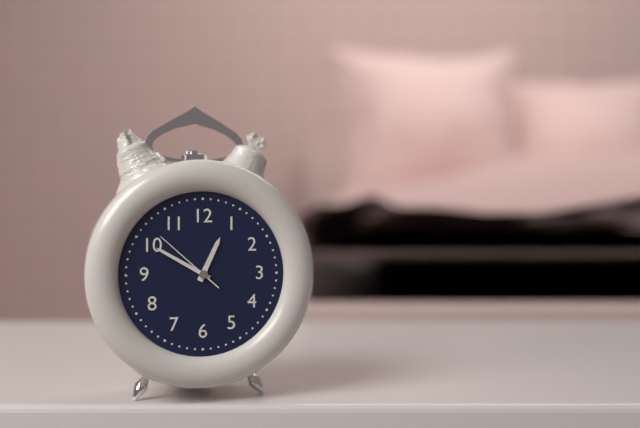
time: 12:50:52
